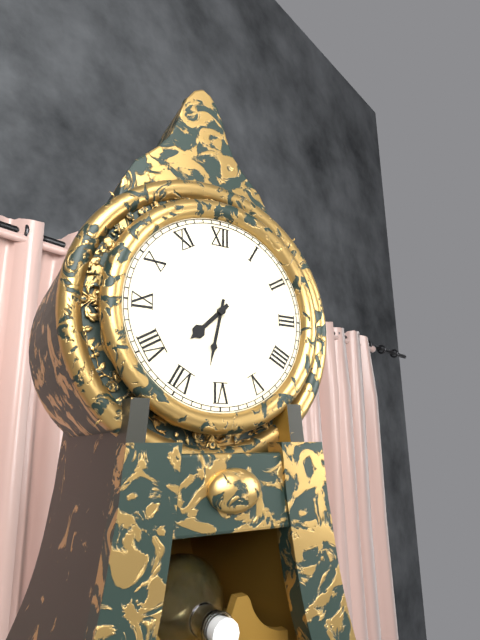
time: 7:32
